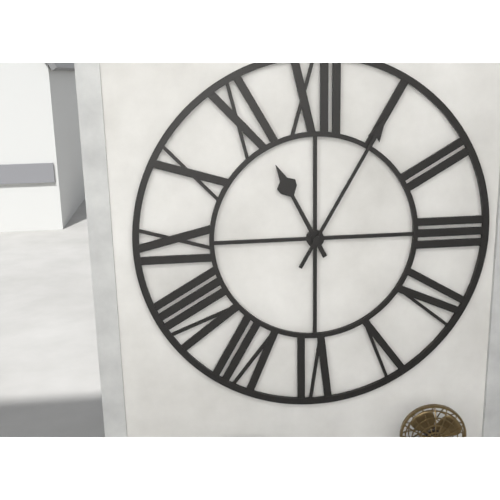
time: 11:05
